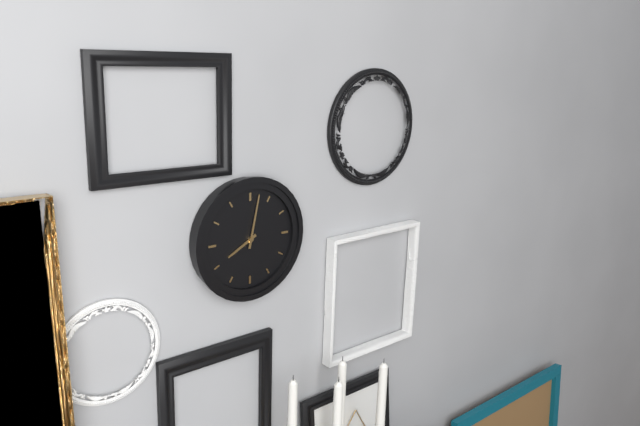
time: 8:02
